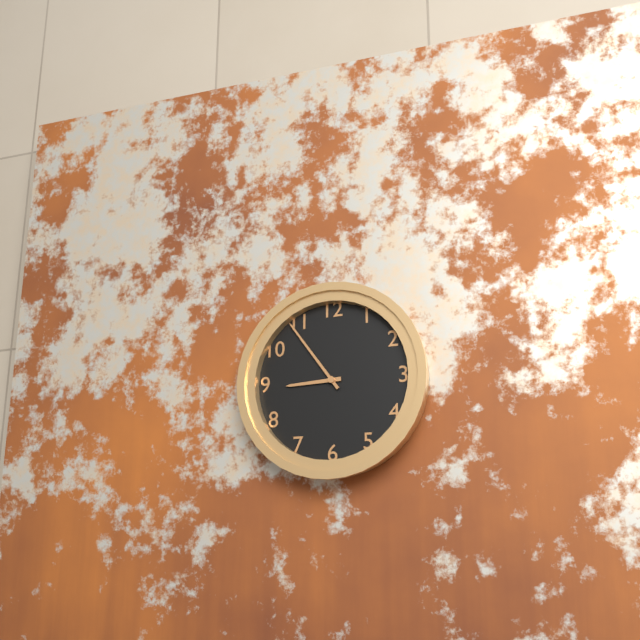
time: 8:54
